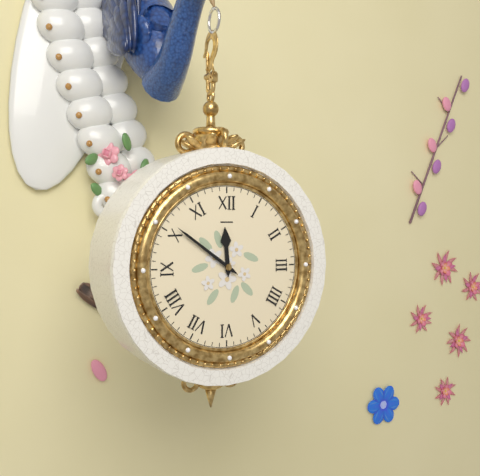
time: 11:51
